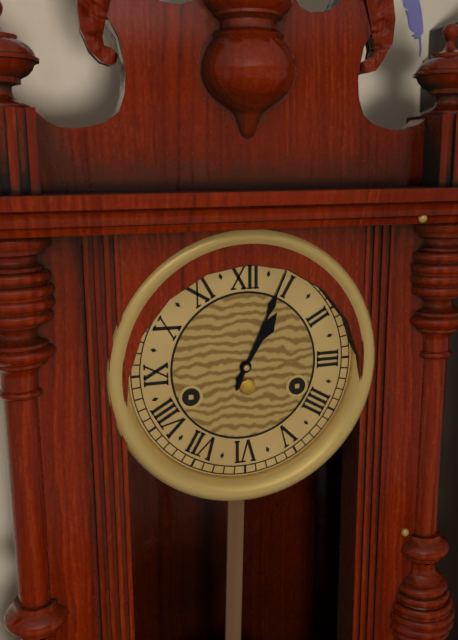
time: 1:04
